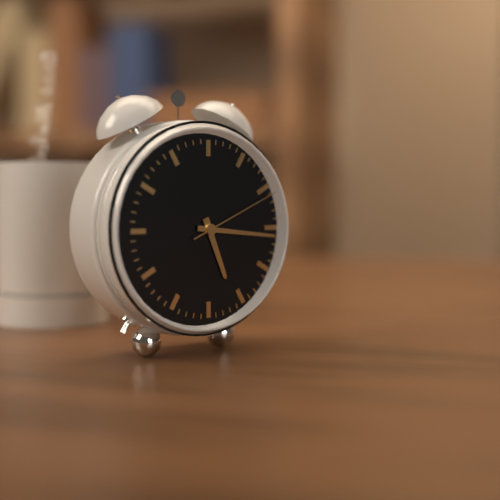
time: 5:16:11
